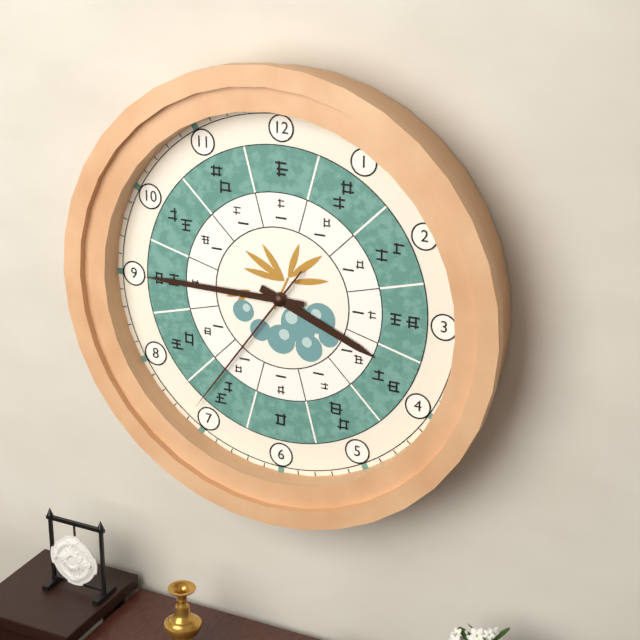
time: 3:45:36
